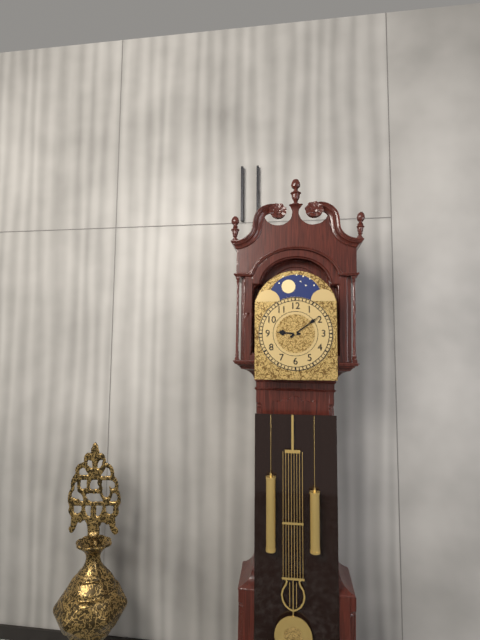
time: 9:09
